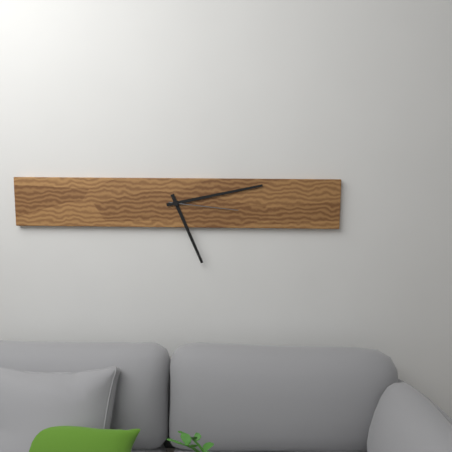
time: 5:13:16
